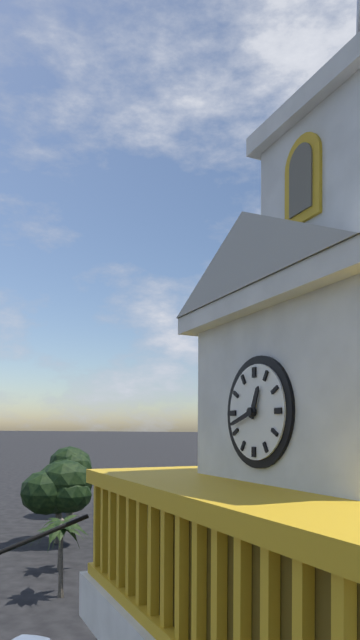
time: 12:42
